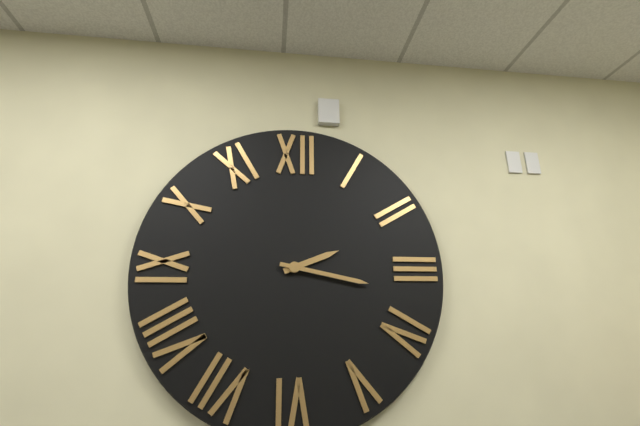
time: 2:17
